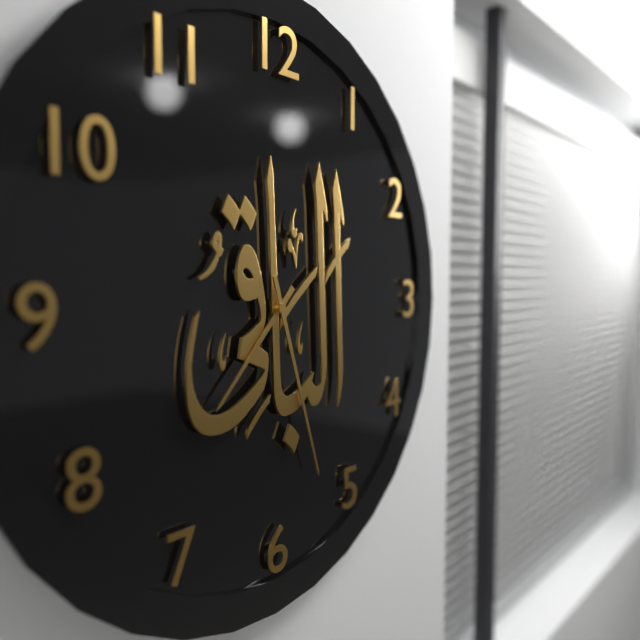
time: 7:27
